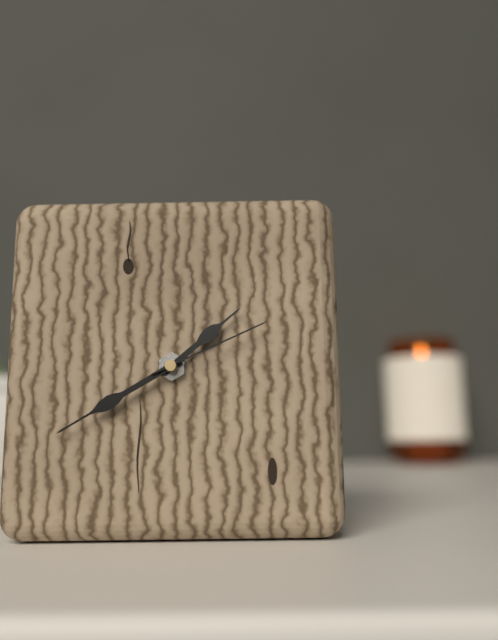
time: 1:40:11
